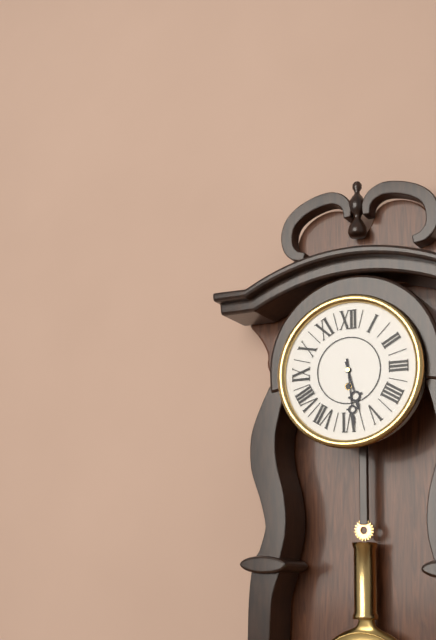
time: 5:29
